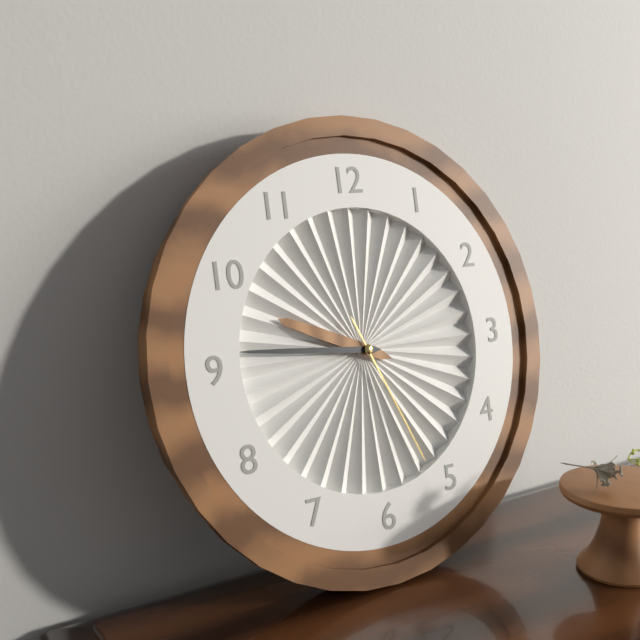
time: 9:46:26
